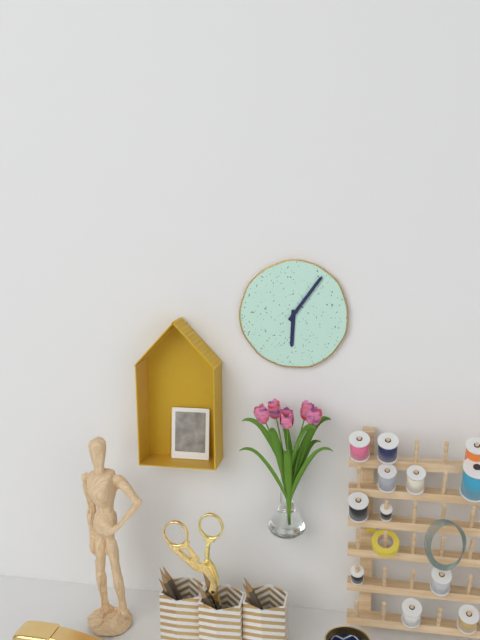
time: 6:06
